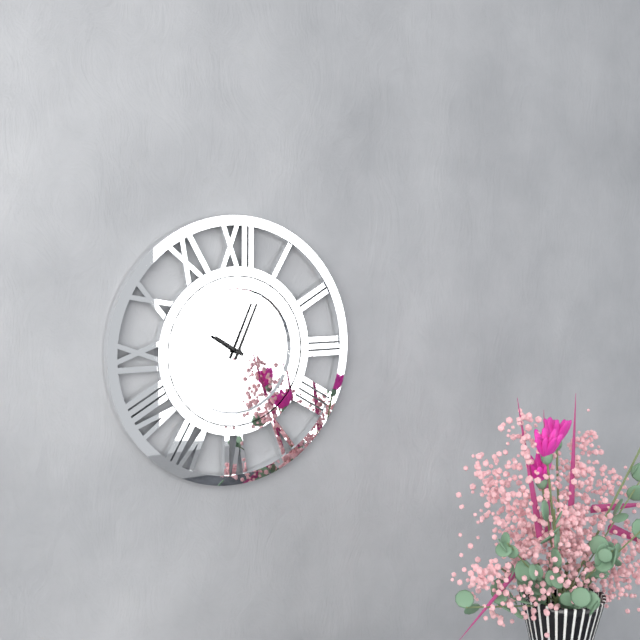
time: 10:04
